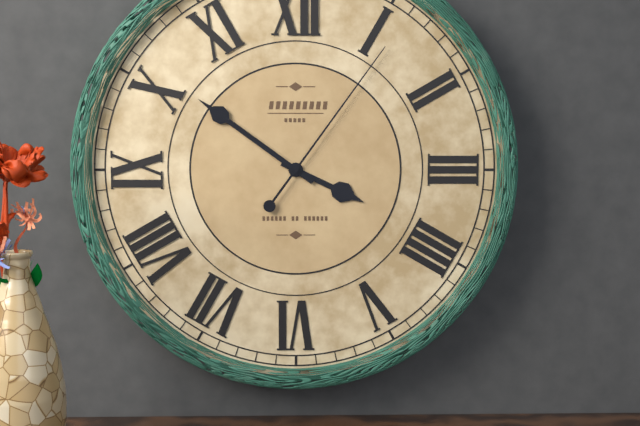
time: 3:51:06
